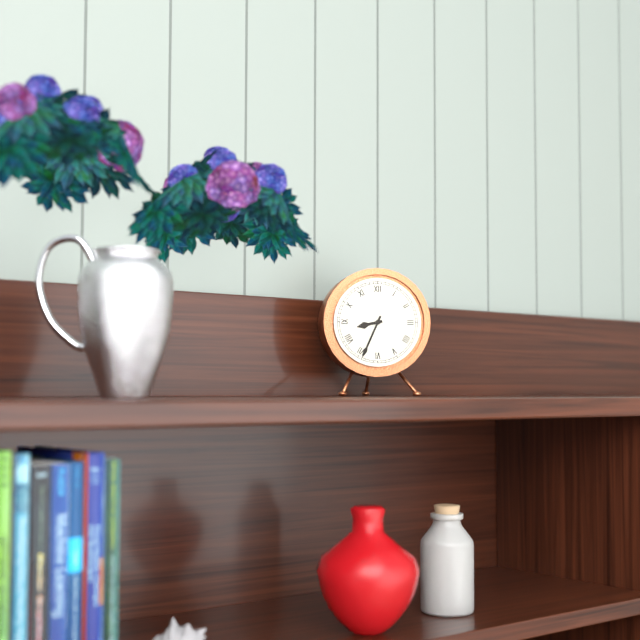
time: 8:34
